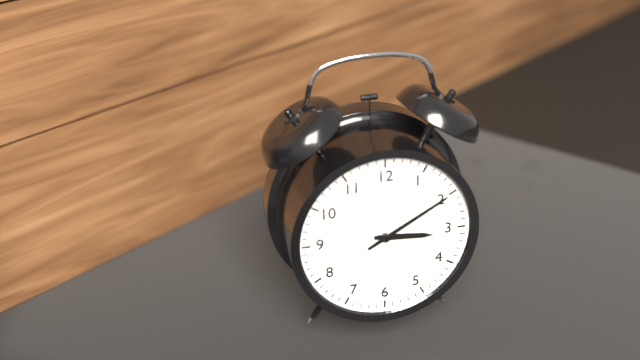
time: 3:10
